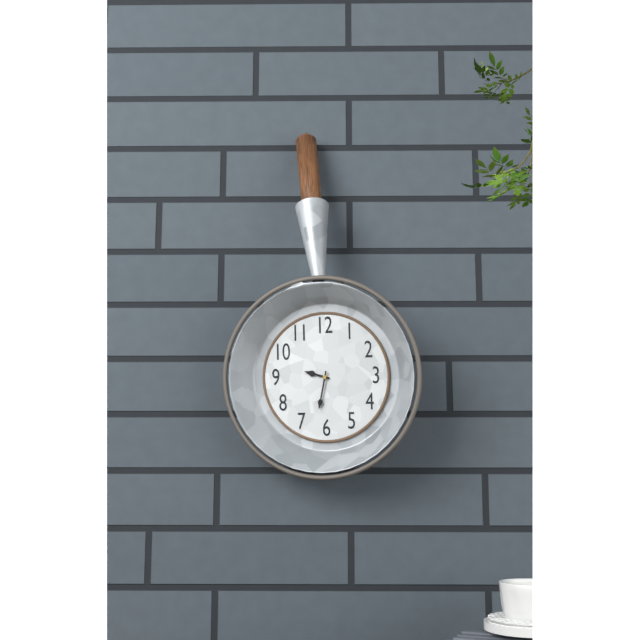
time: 9:32
